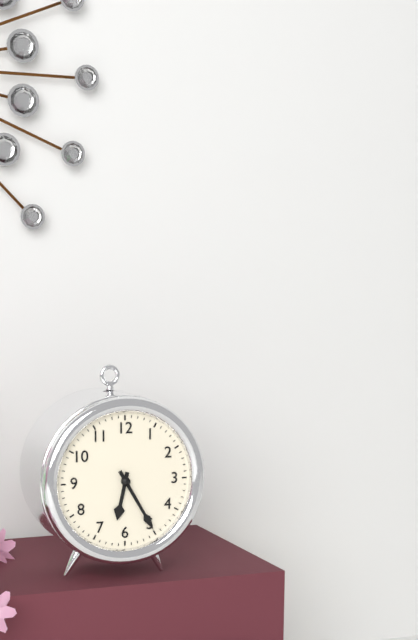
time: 6:25
